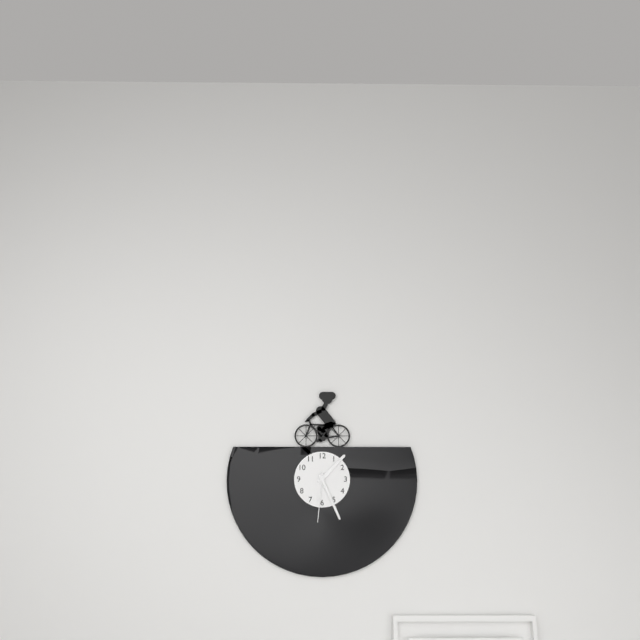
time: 1:26:31
